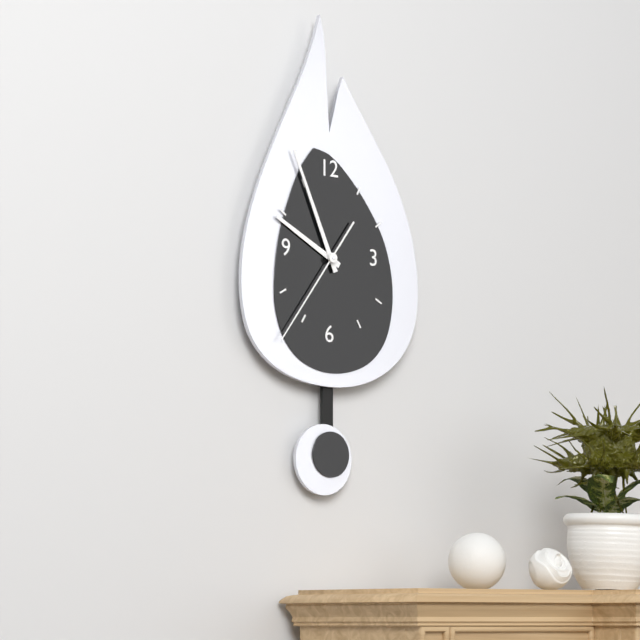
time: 9:56:36
